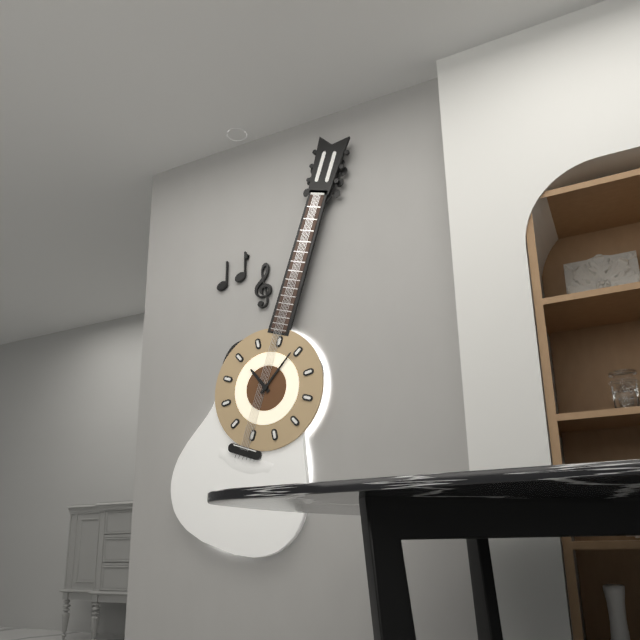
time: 10:04
